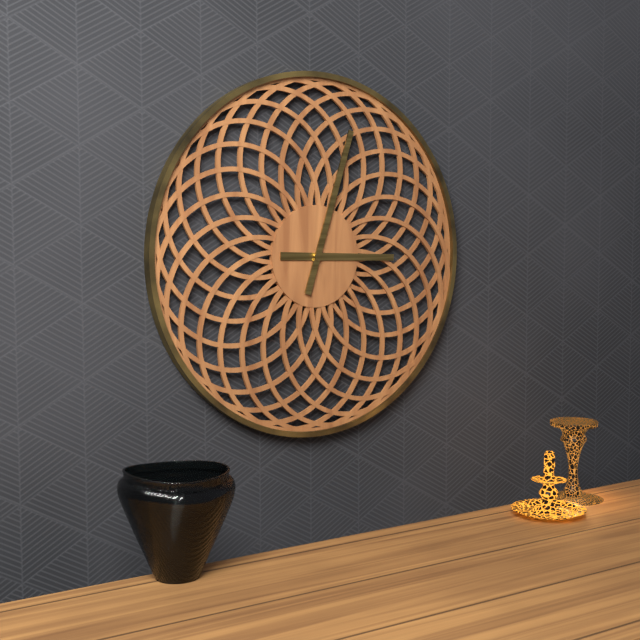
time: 3:03
